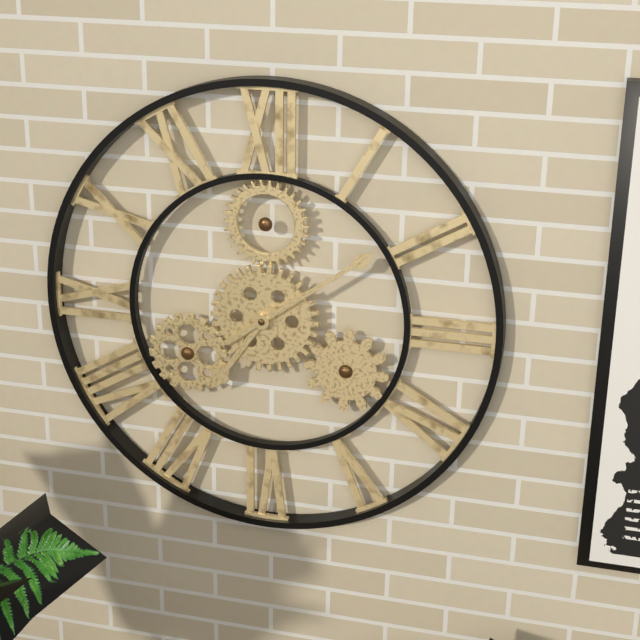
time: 7:09
